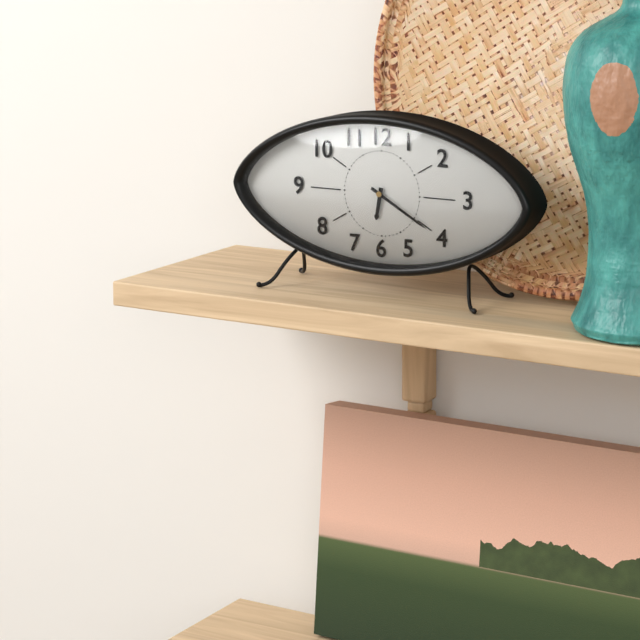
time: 6:20
